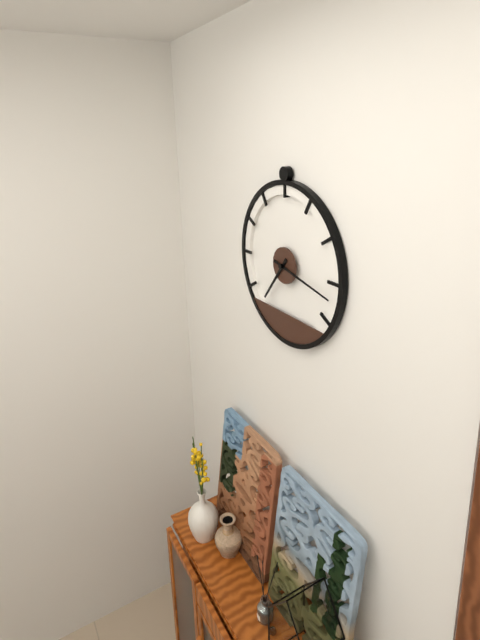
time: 7:17
